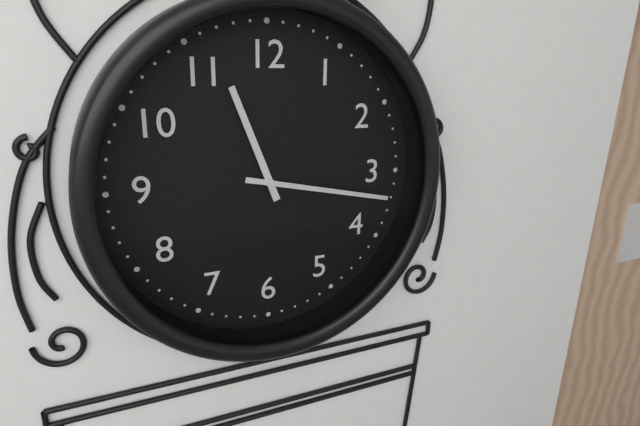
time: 11:17
